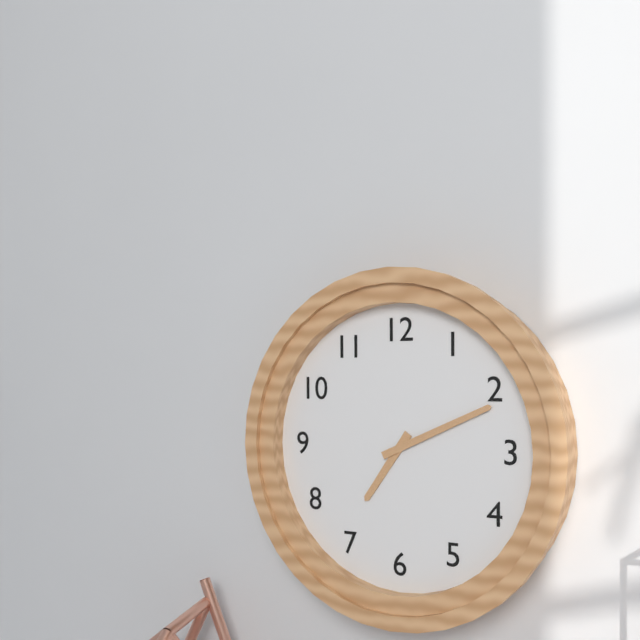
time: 7:11
